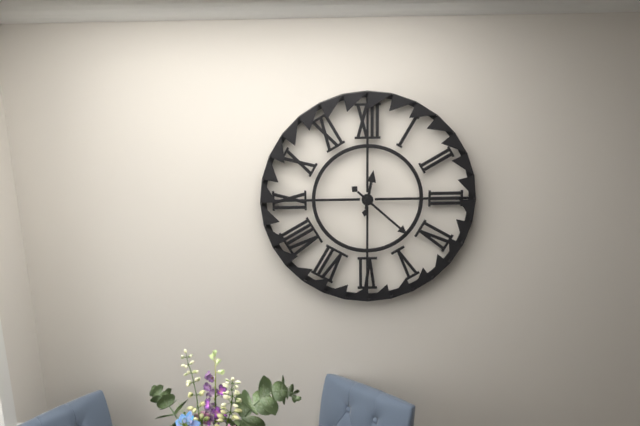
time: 12:22
